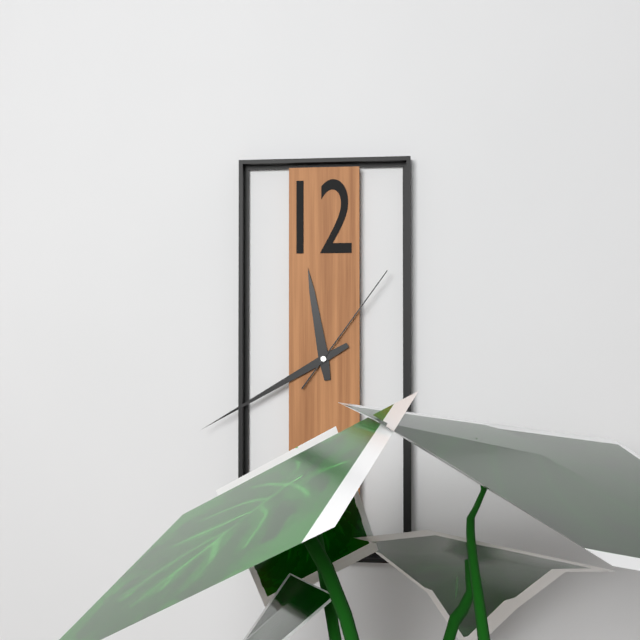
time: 11:40:06
